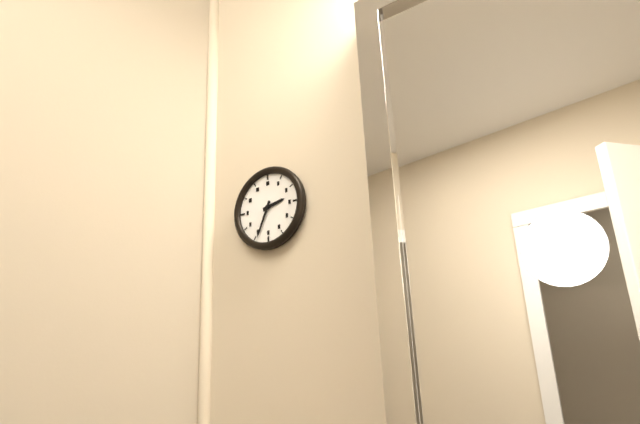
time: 2:34
